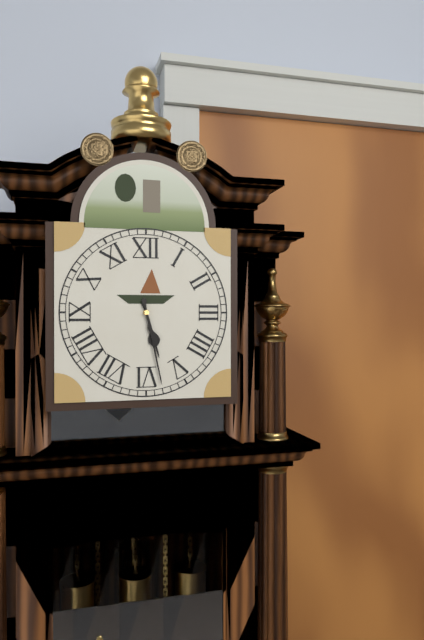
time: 5:28
